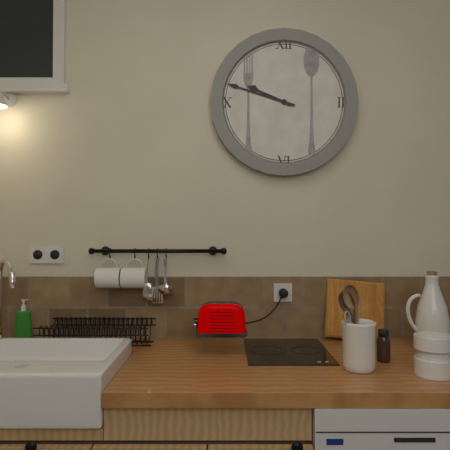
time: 9:48
